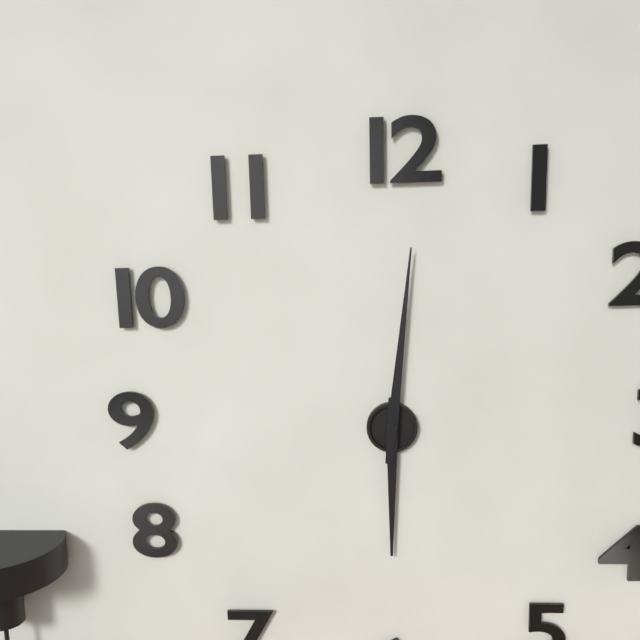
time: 6:01
